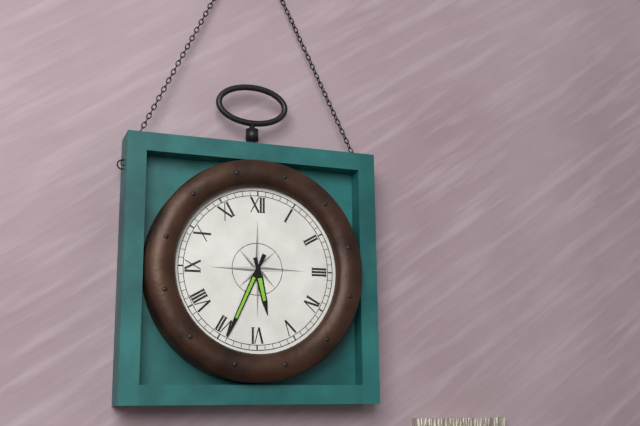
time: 5:34
